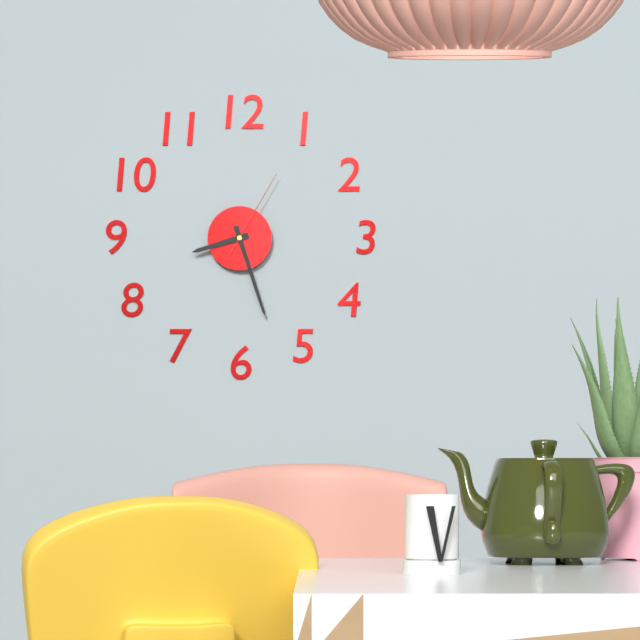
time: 8:27:05
